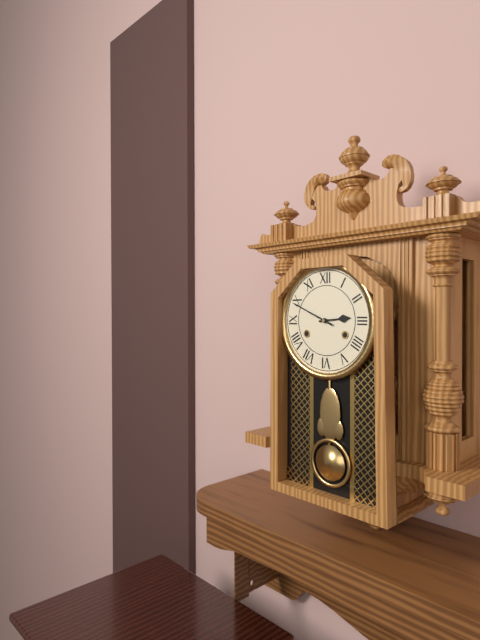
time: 2:49
